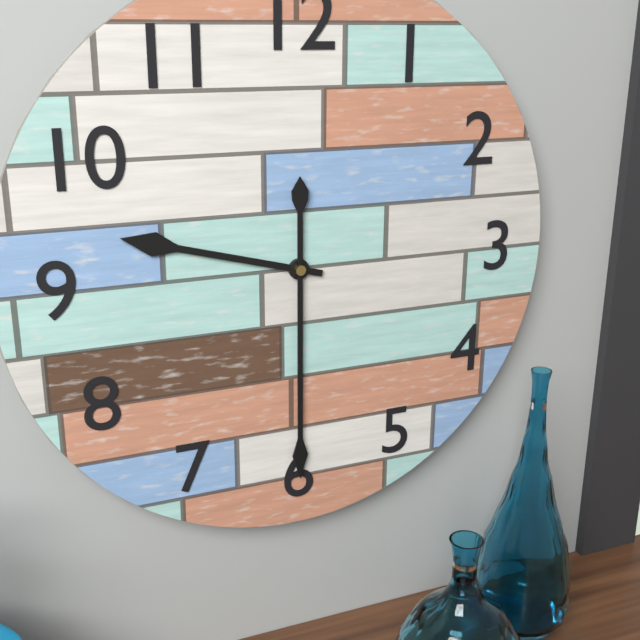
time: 9:30
